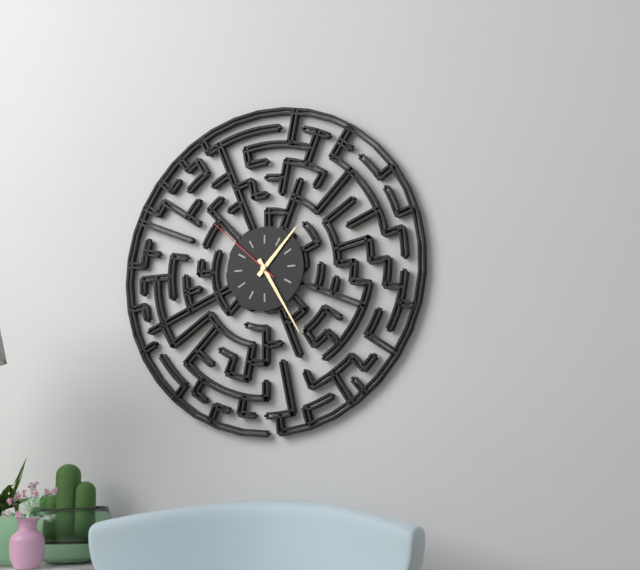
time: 1:25:52
